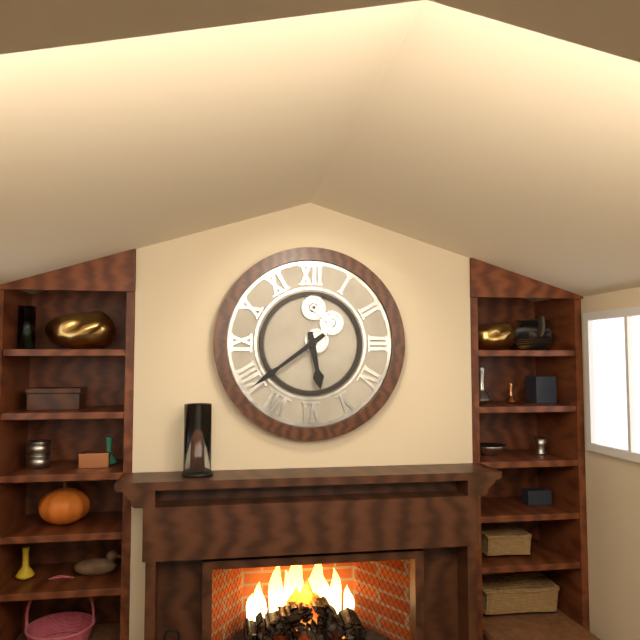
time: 5:39
